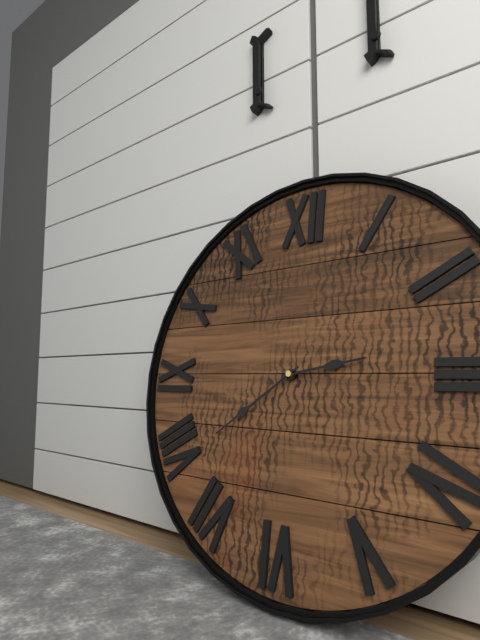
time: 2:39
